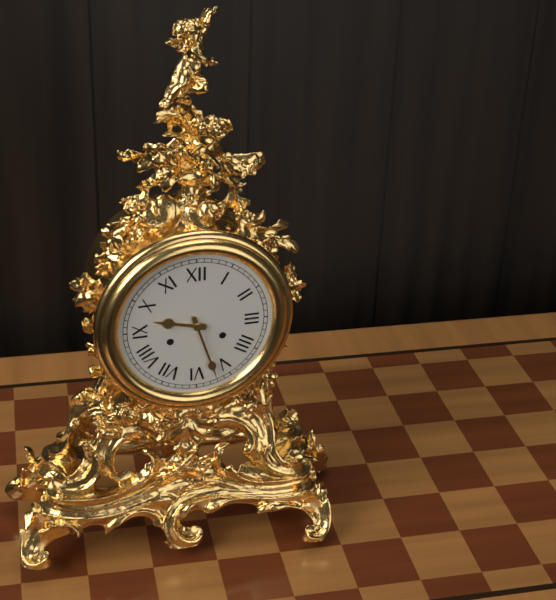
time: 9:27
